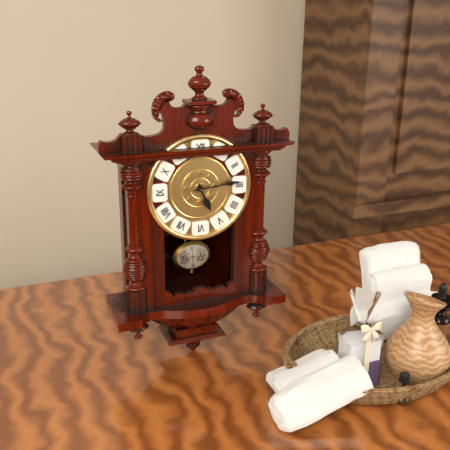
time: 5:14
